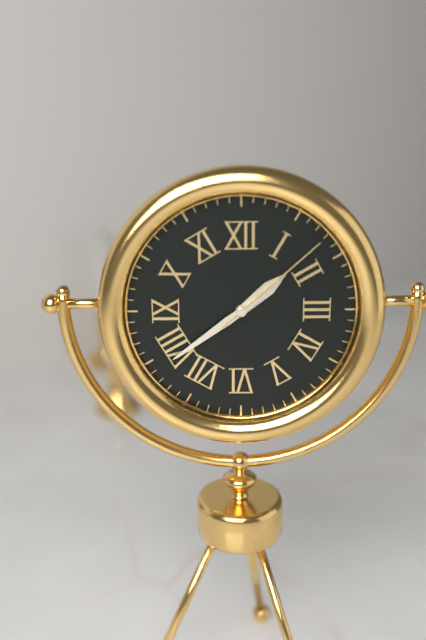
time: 1:39:08
